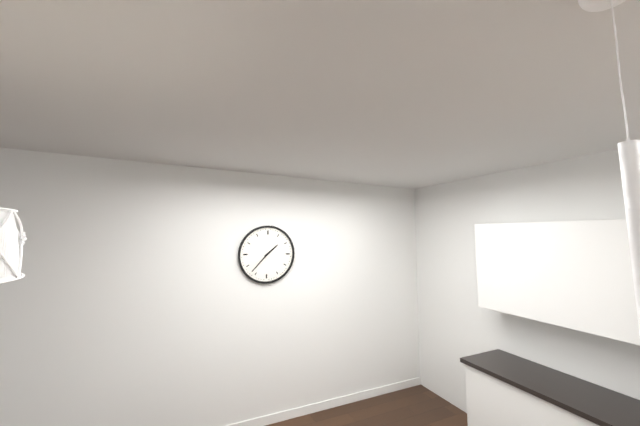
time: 1:37
